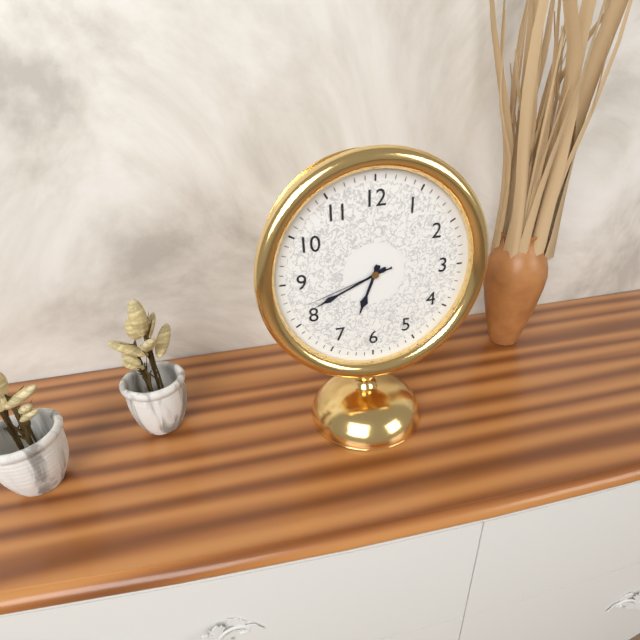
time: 6:41:42
